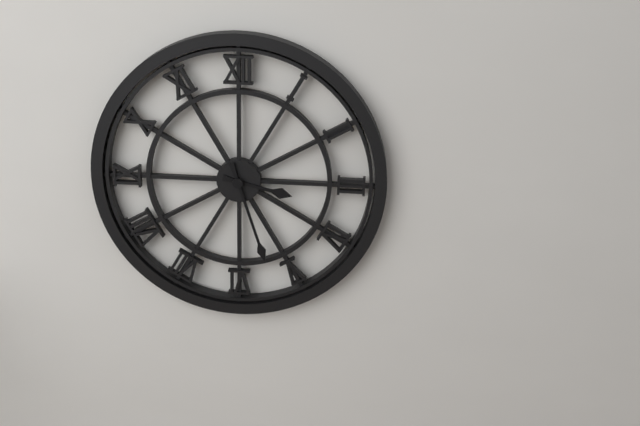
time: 3:27
